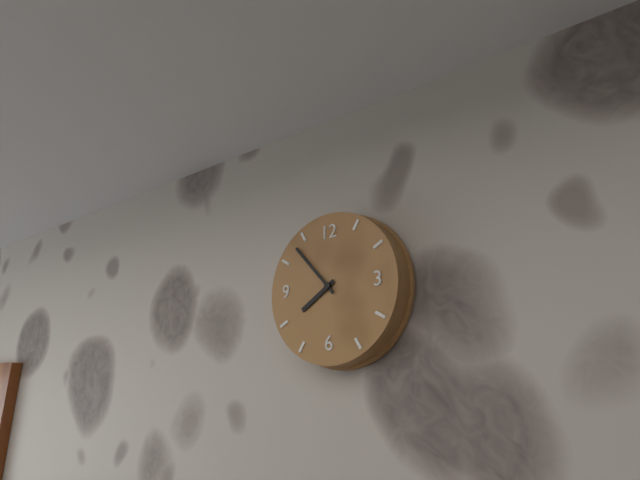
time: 7:53
